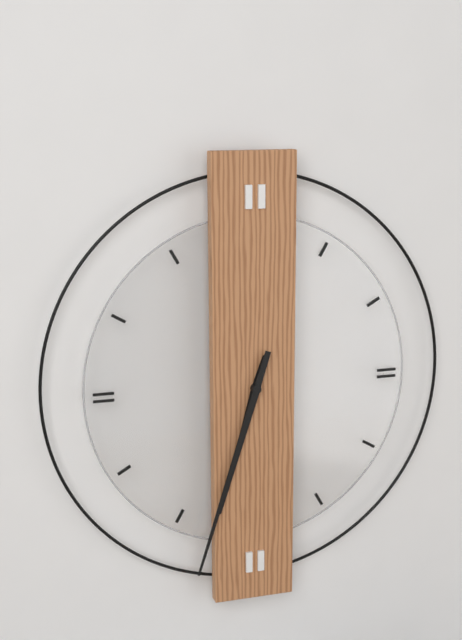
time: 6:33
